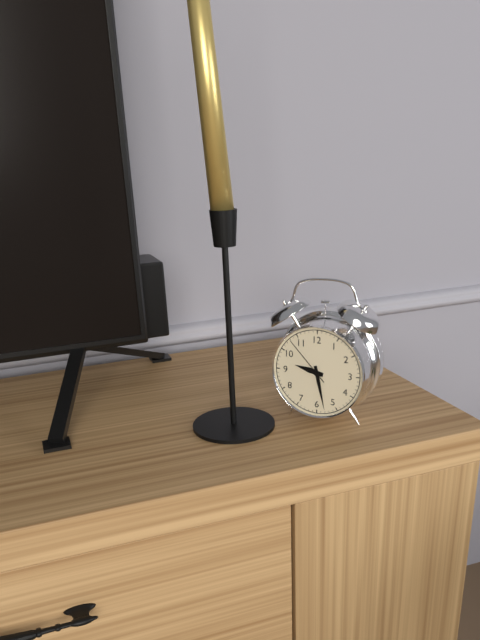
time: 9:28:53
